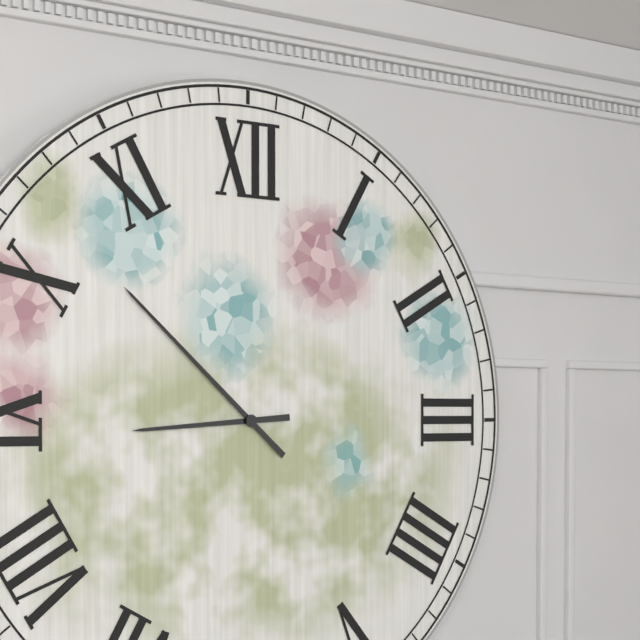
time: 8:52
